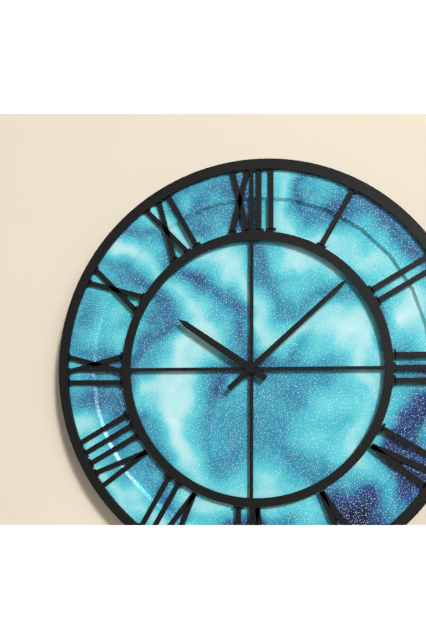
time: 10:08
